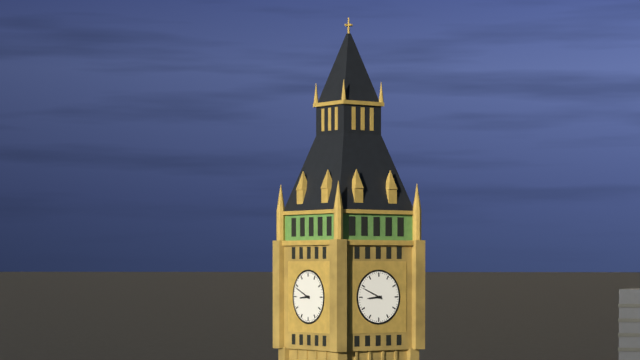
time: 8:49
